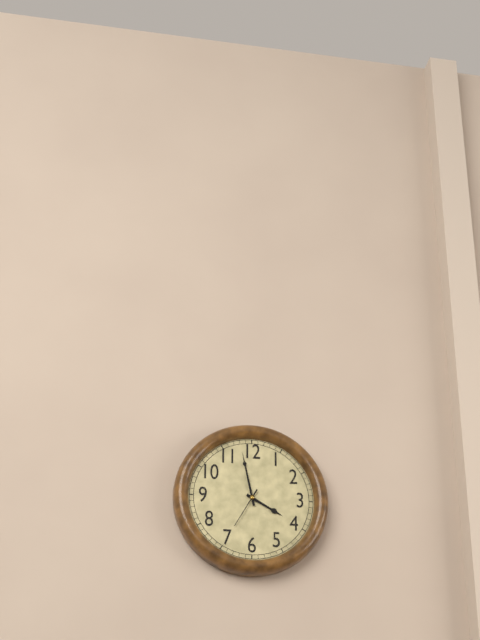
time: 3:58
